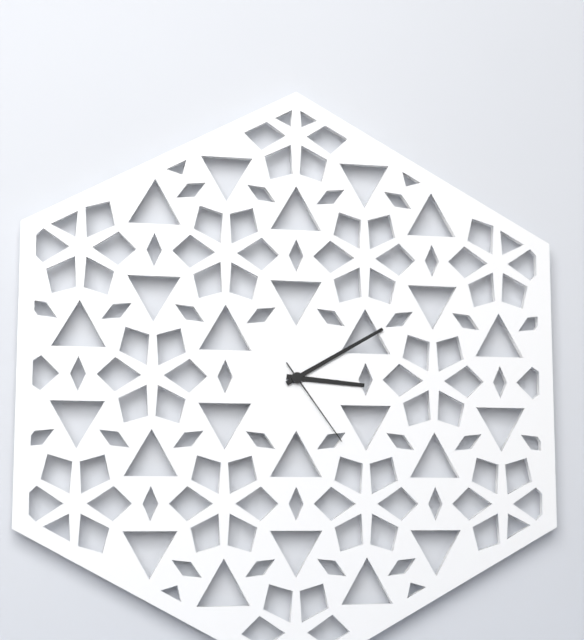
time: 3:10:24
